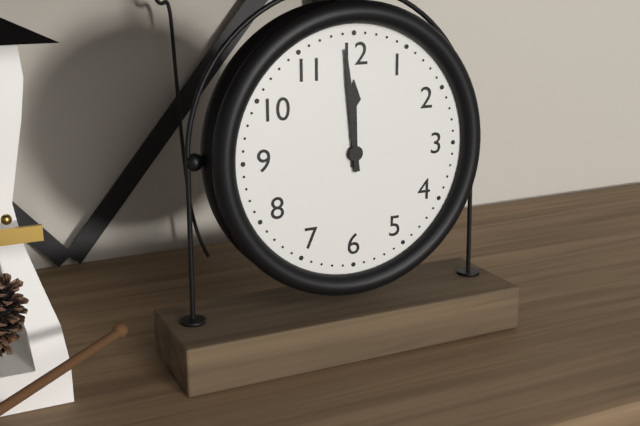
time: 11:59
